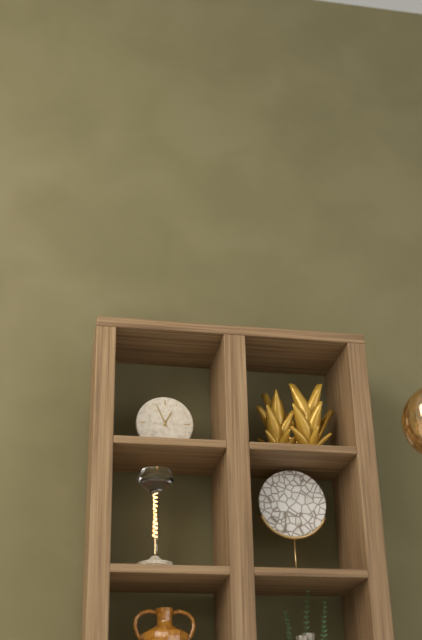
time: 12:56
